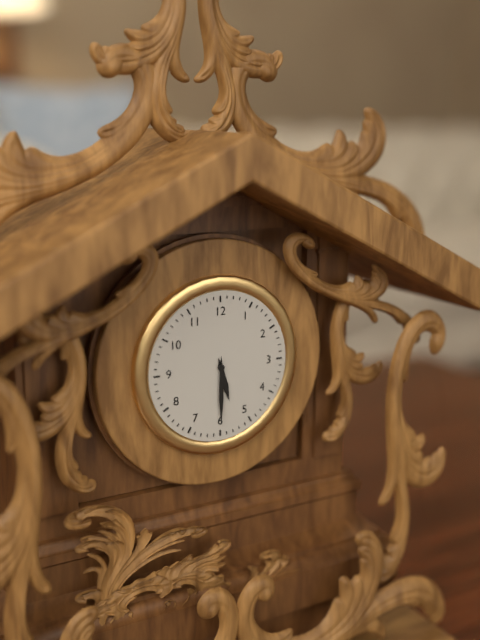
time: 5:30
